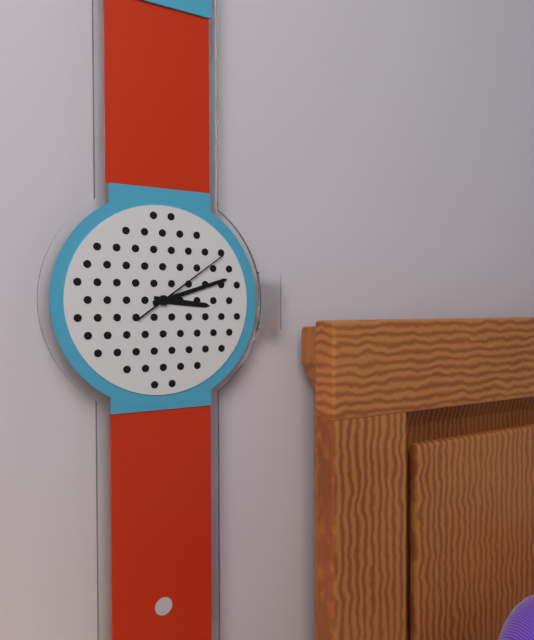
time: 3:12:09
